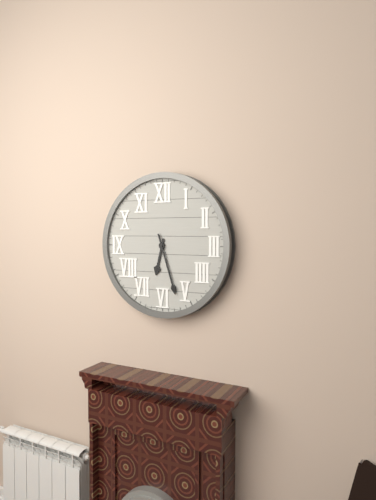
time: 6:27
